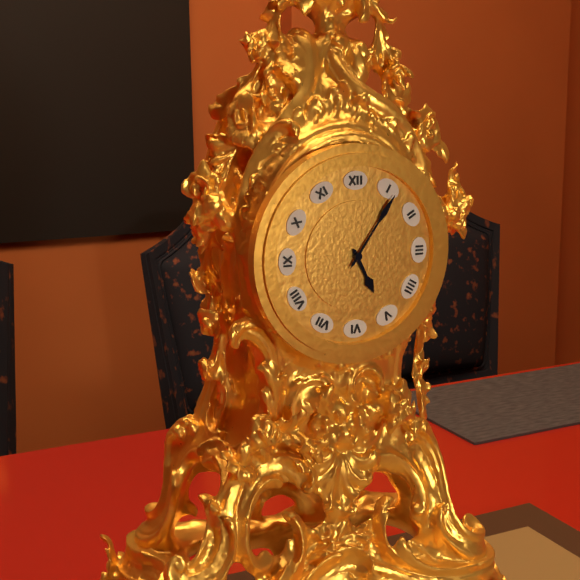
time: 5:06
